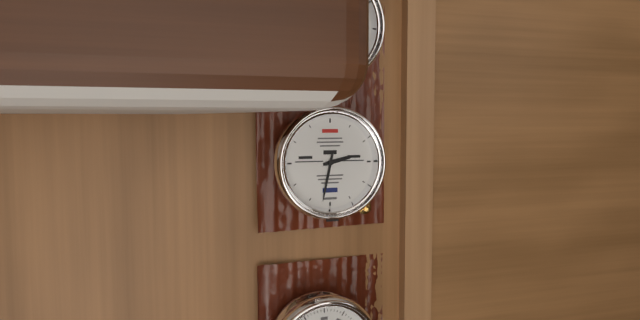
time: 2:32
